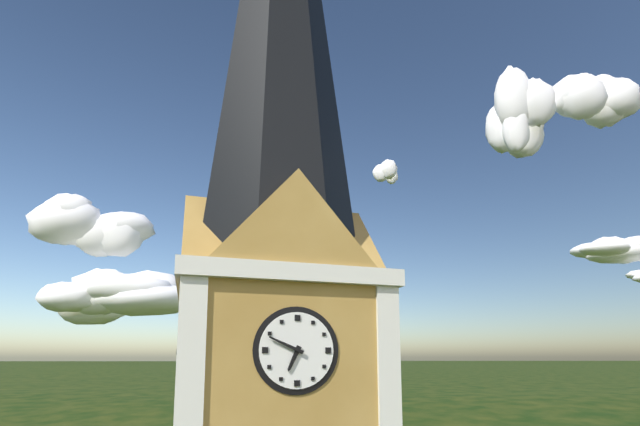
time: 6:49
